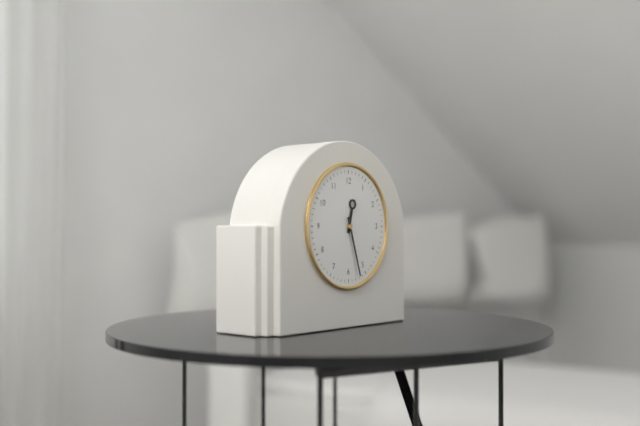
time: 12:27
